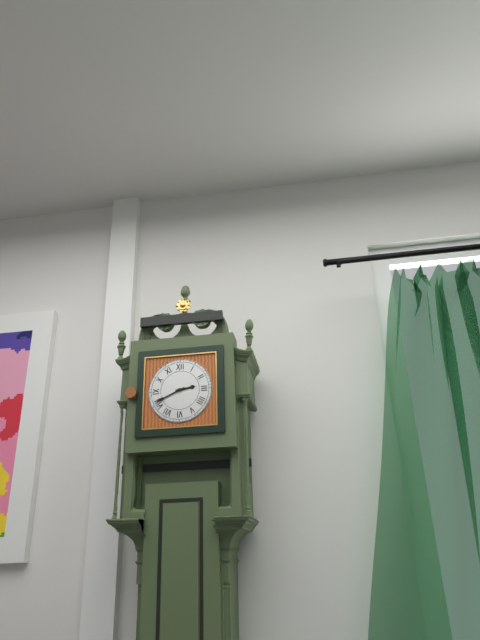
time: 2:41
